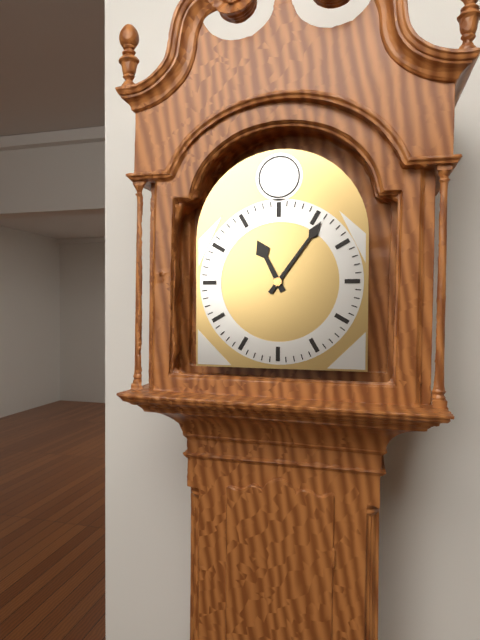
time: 11:06
